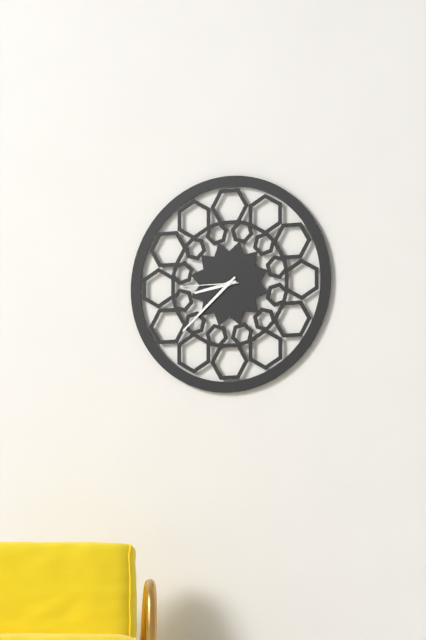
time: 8:38:45
